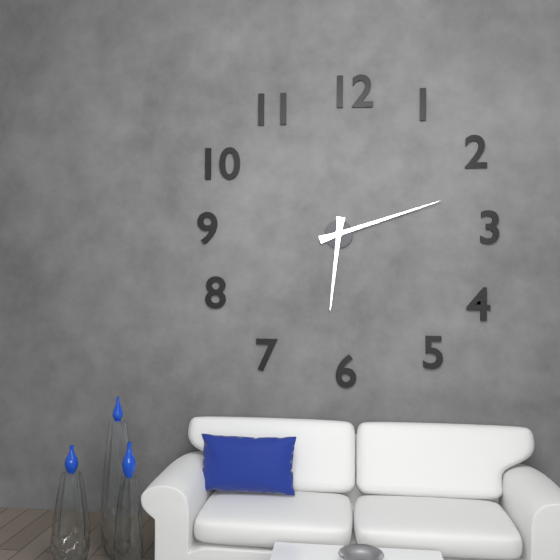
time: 6:12
